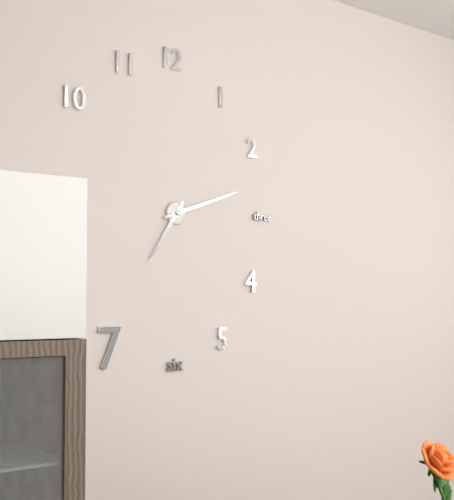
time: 7:12
